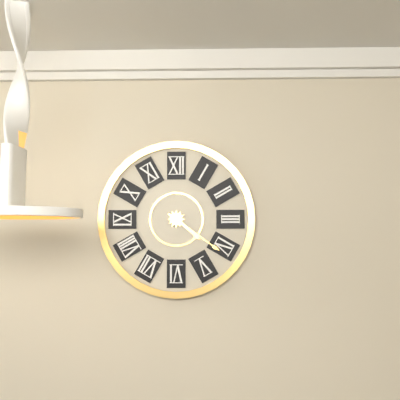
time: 4:21
